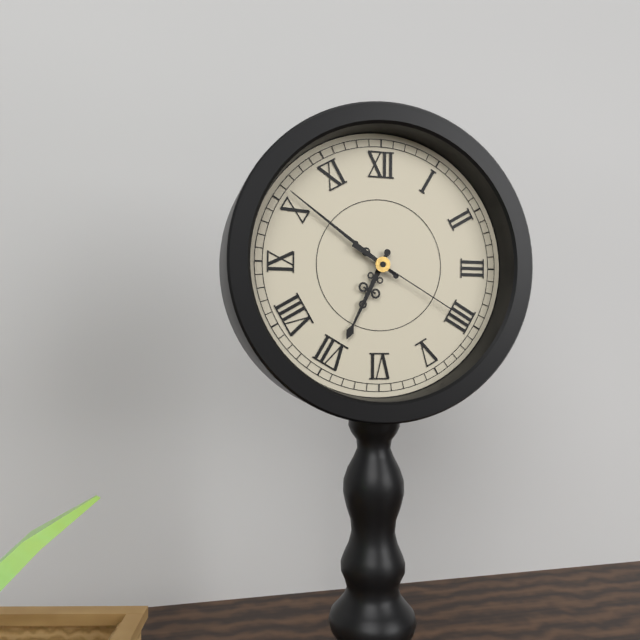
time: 6:51:20
